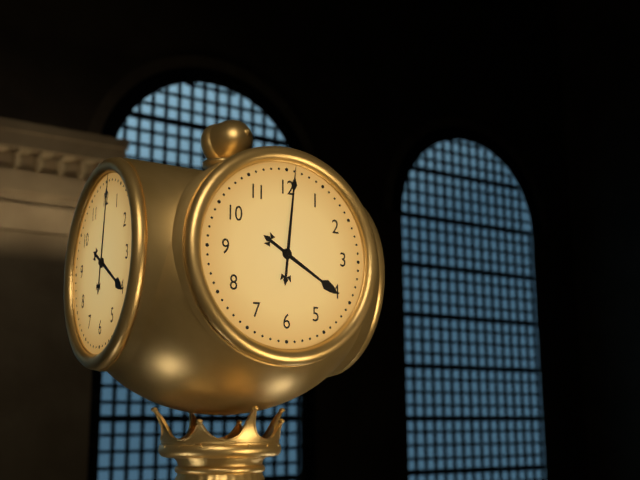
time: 4:01
